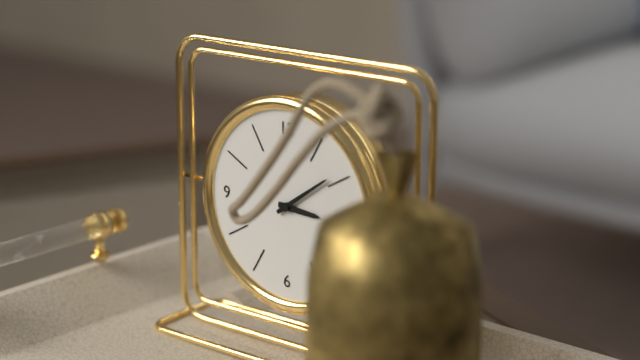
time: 3:09
